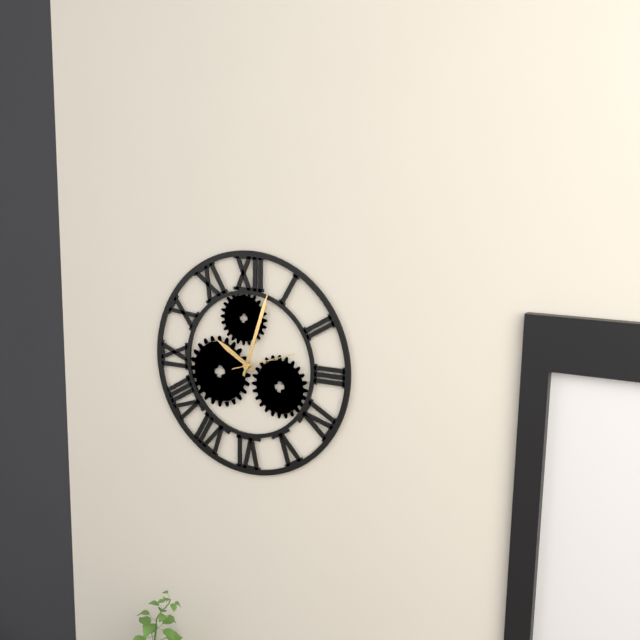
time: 10:03:12
